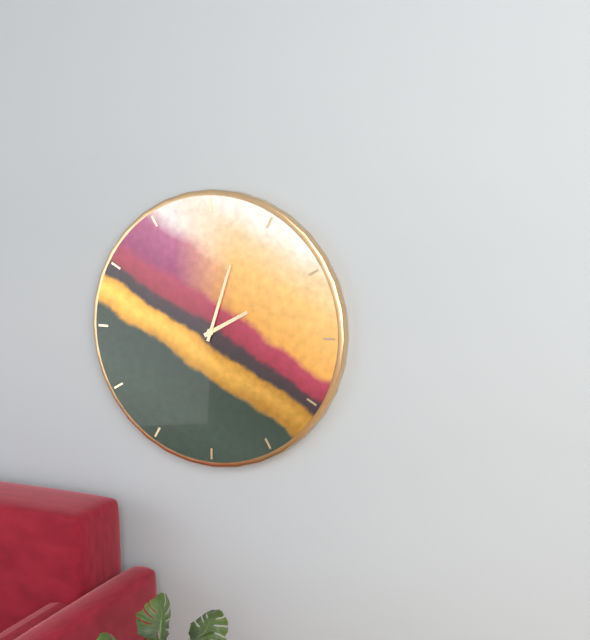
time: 2:03
